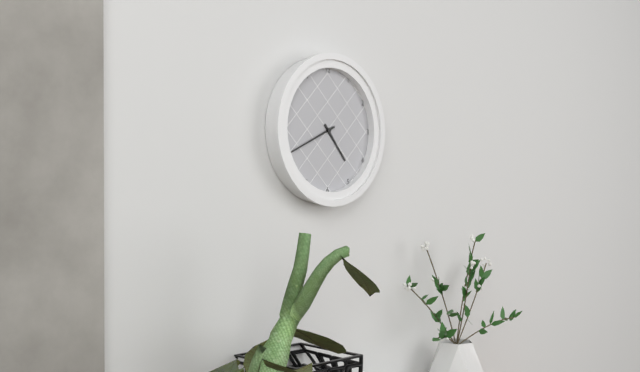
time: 4:41
